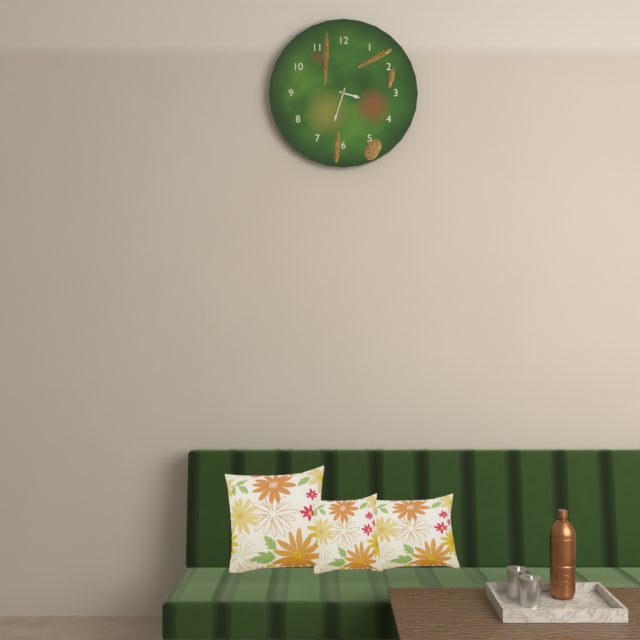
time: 3:33
